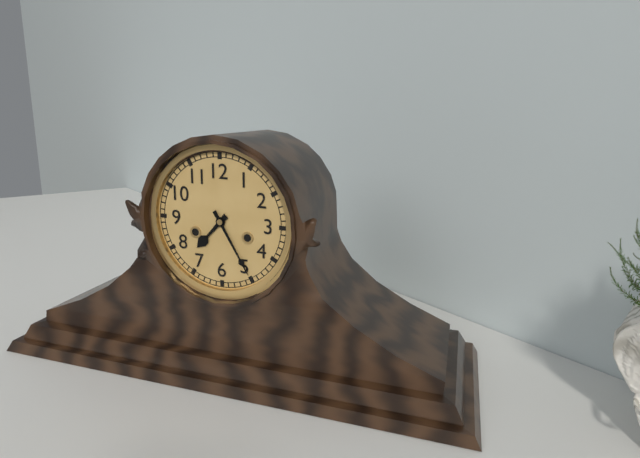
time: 7:25
